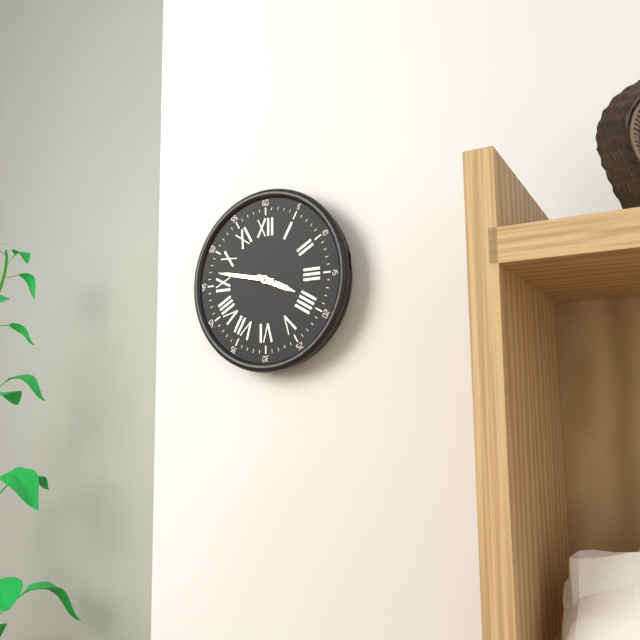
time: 3:47
